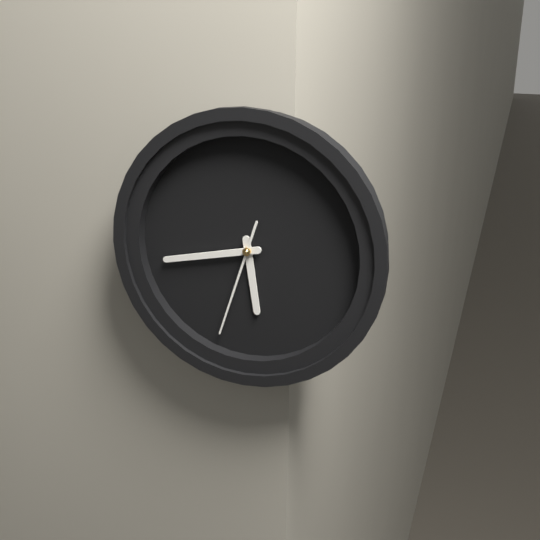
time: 5:43:33
